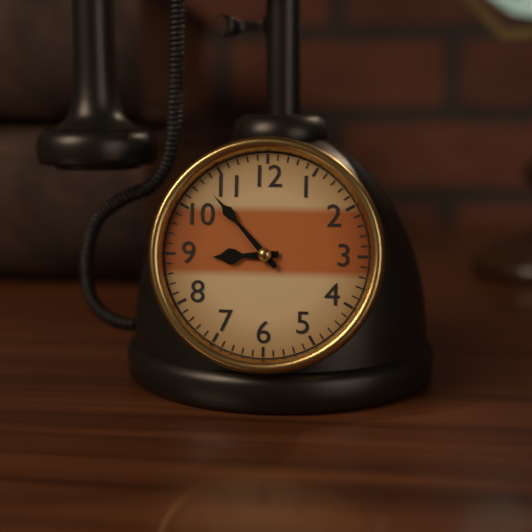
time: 8:53
